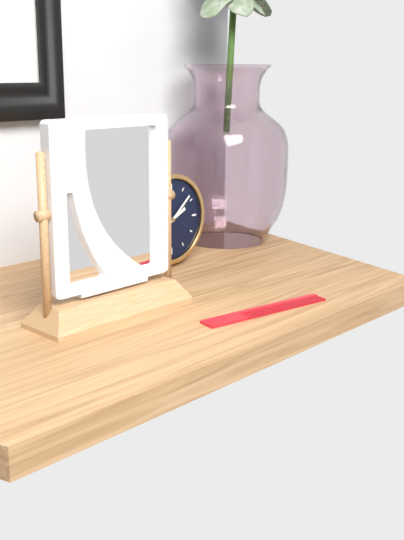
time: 2:08
